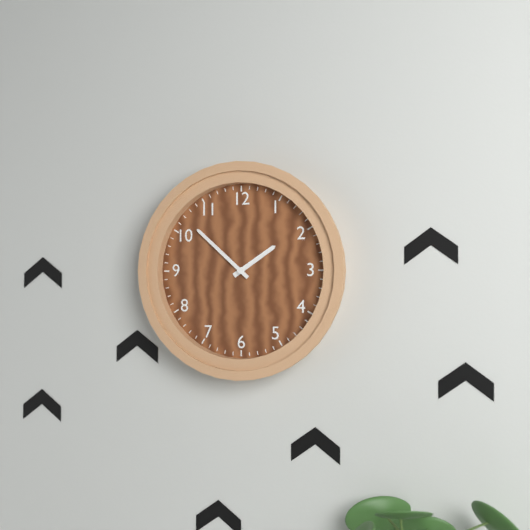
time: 1:52
